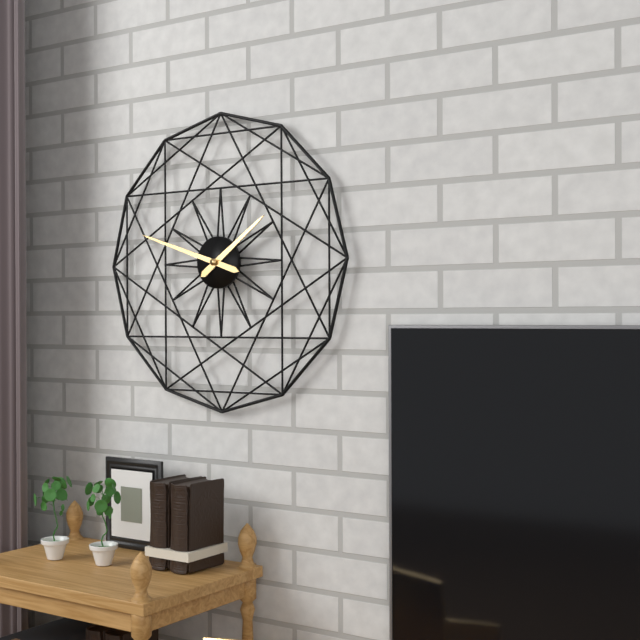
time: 1:48
